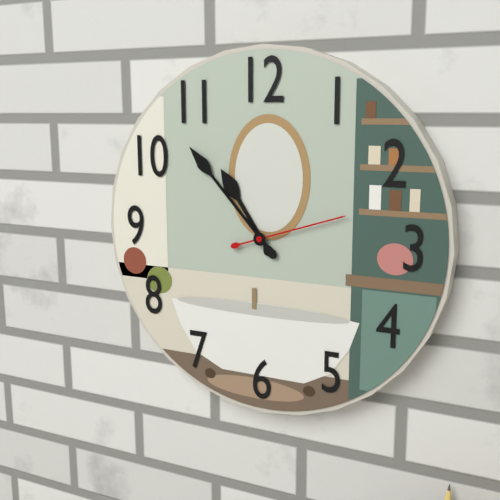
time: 10:53:12
